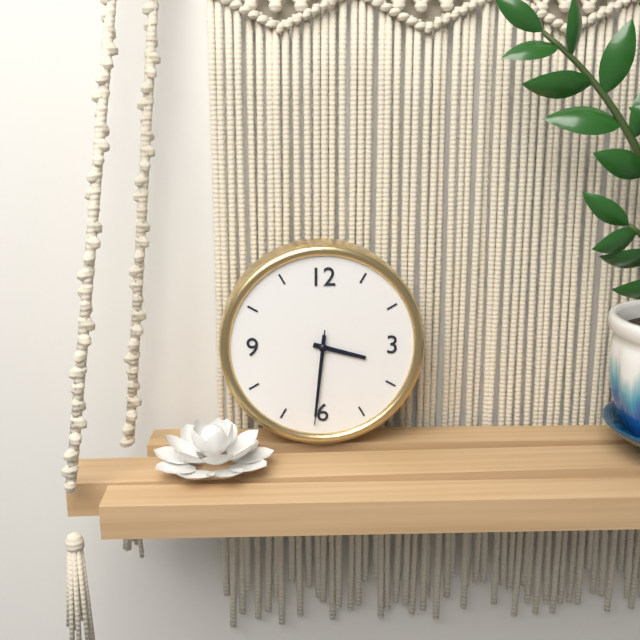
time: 3:31:31
